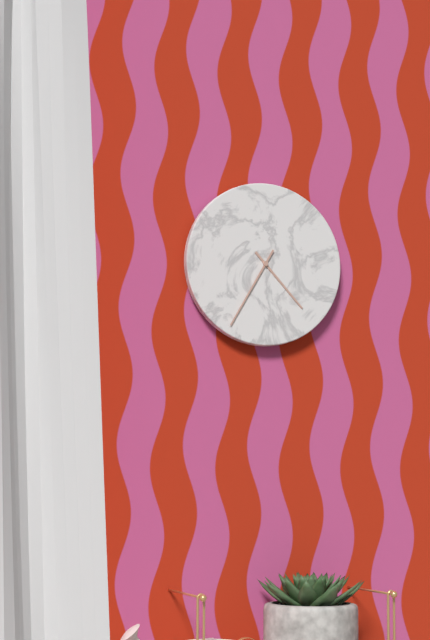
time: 4:35
